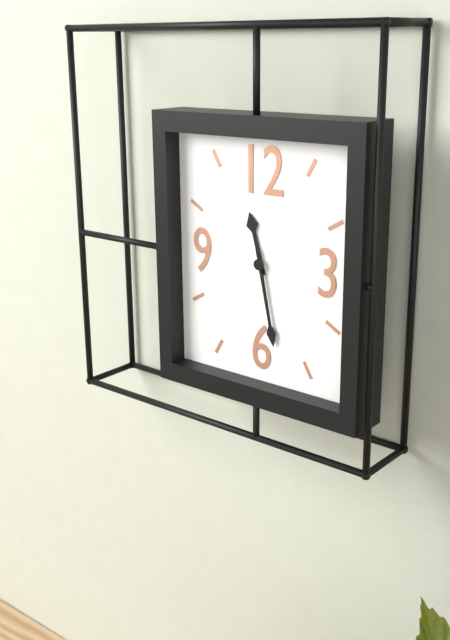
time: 11:28
